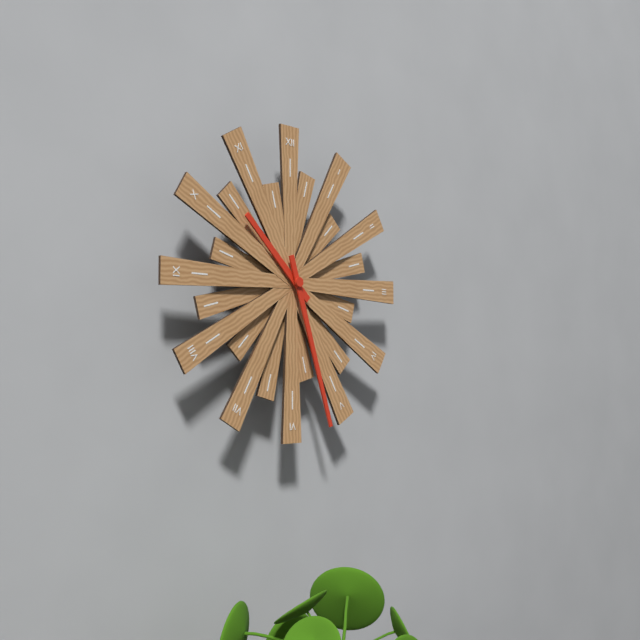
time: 10:27
